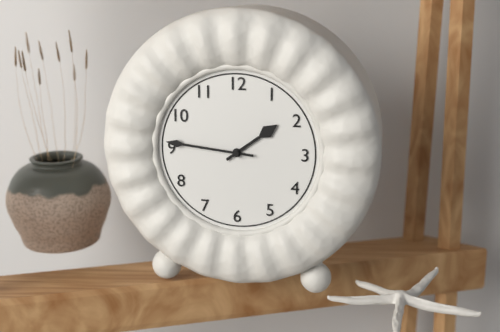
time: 1:46
